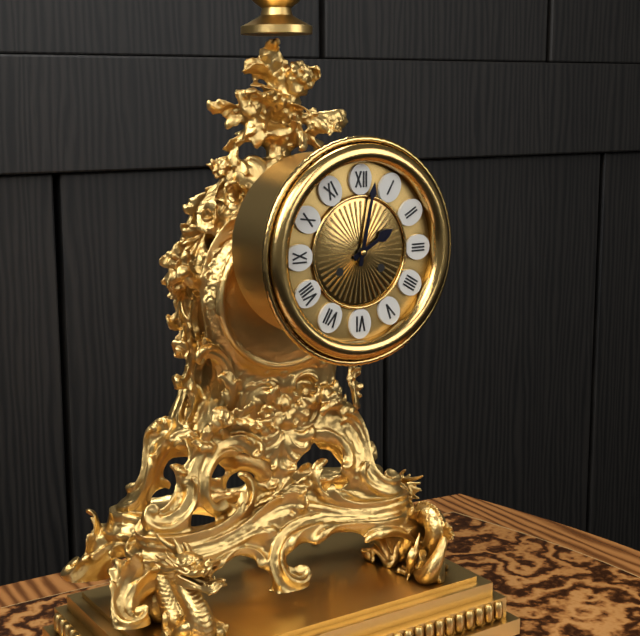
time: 2:02
